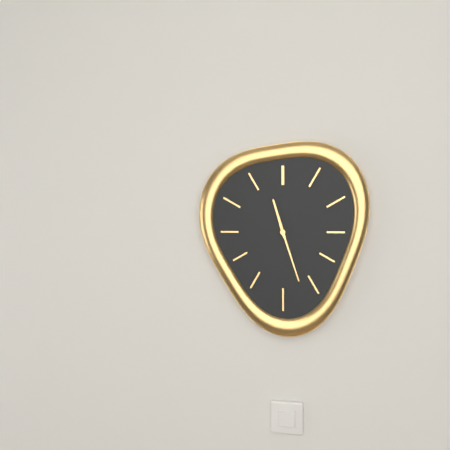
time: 11:27
